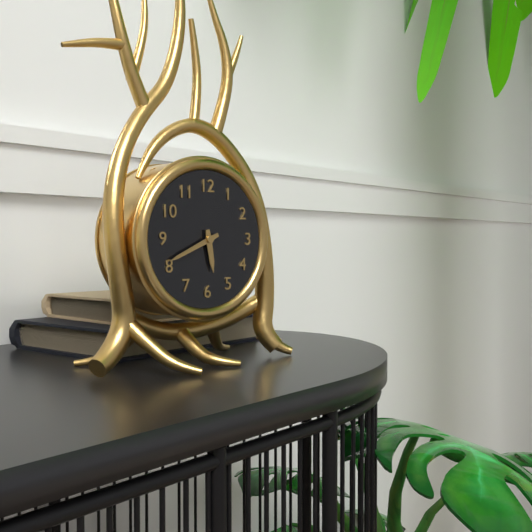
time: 5:41
